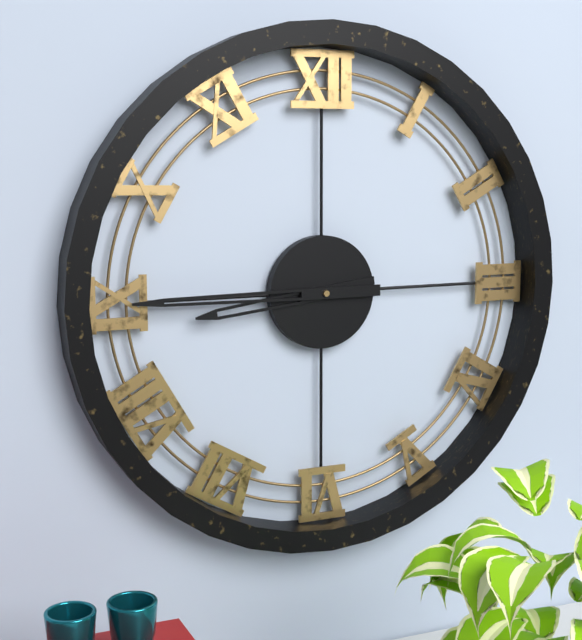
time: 8:45
